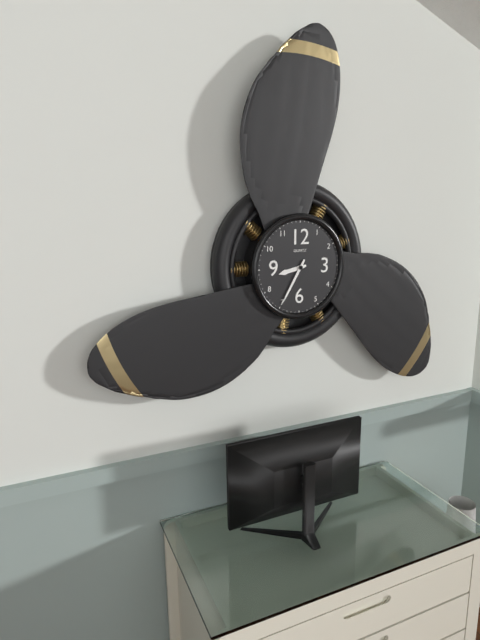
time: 8:35
